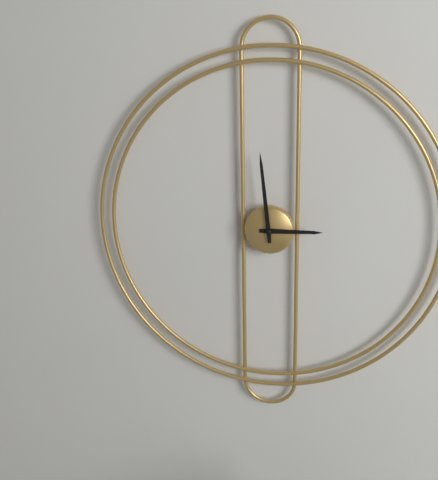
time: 2:59
